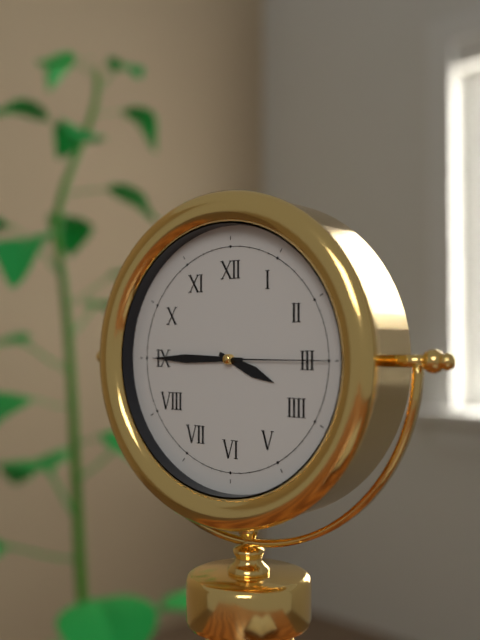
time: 3:45:15
